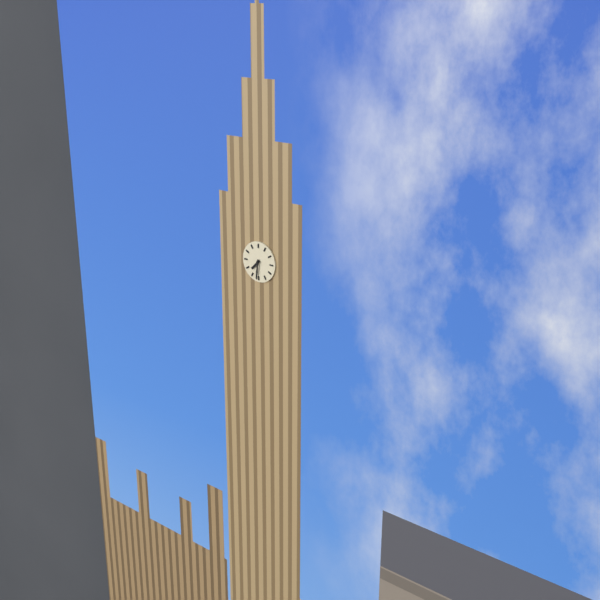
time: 7:31
